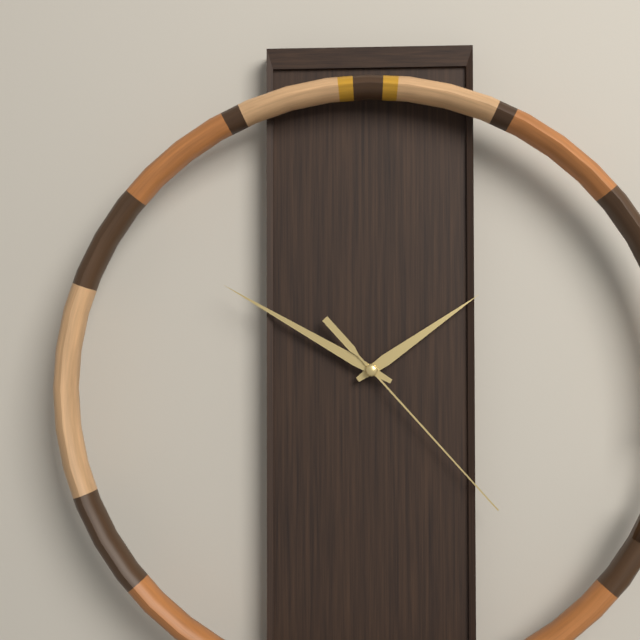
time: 1:50:23
